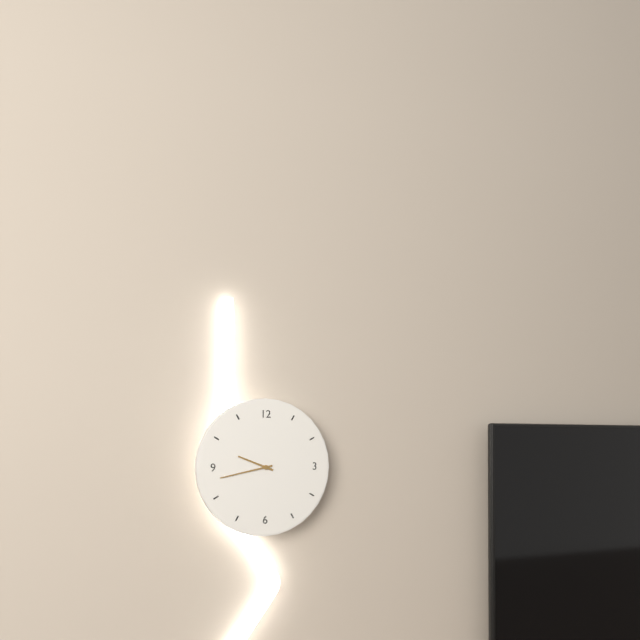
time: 9:43
